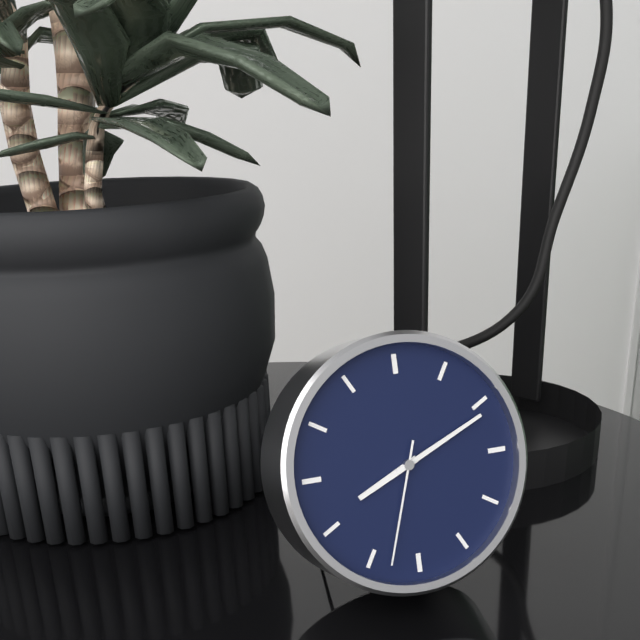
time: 8:11:33
